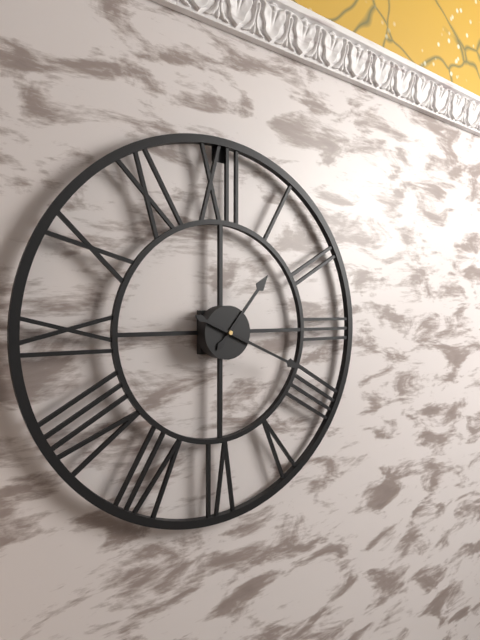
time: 1:19
